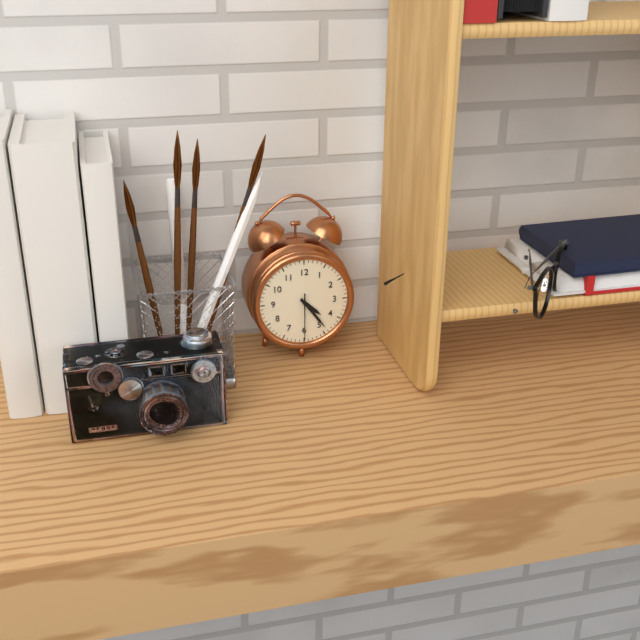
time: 4:24
